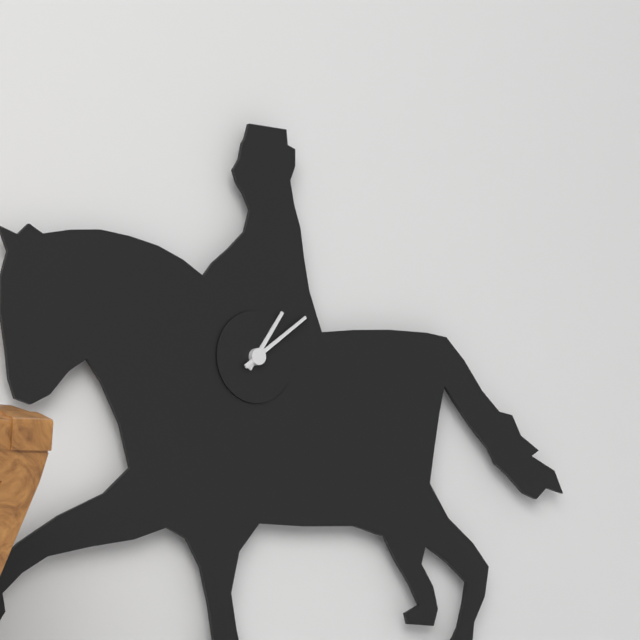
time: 1:09
